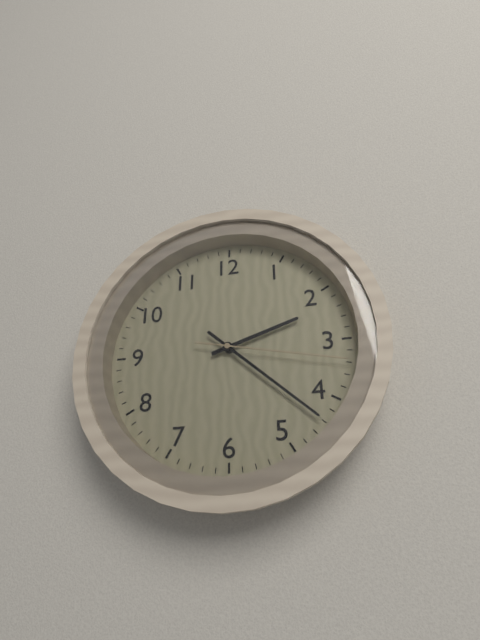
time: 2:22:17
